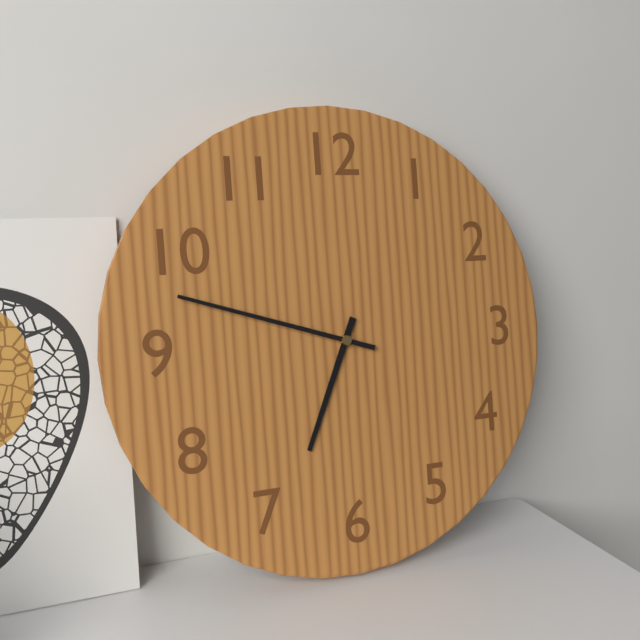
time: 6:48
